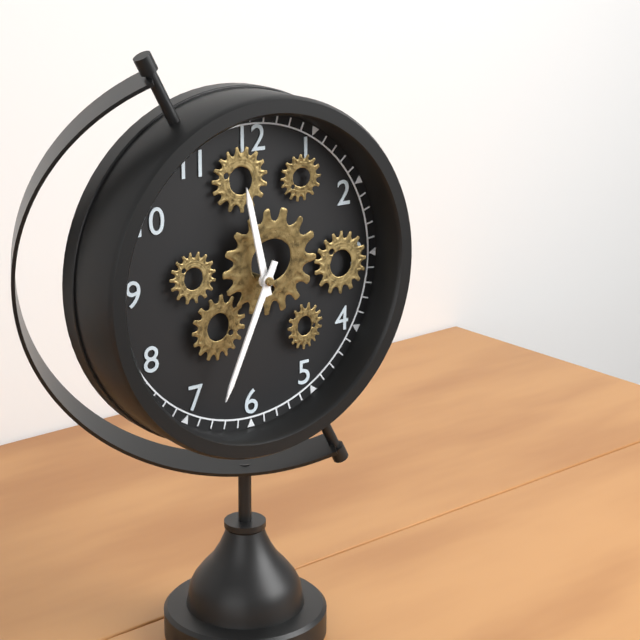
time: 11:34
